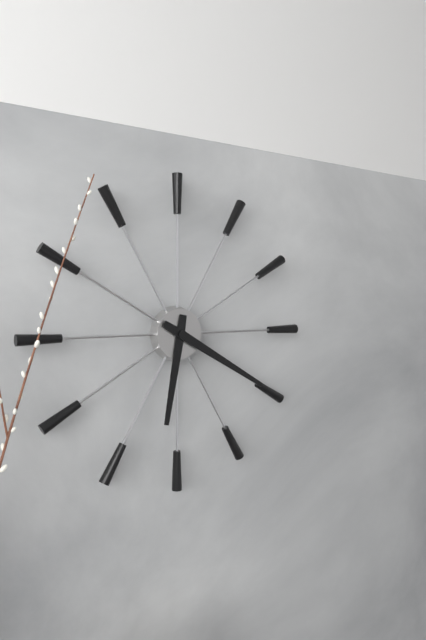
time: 6:20
